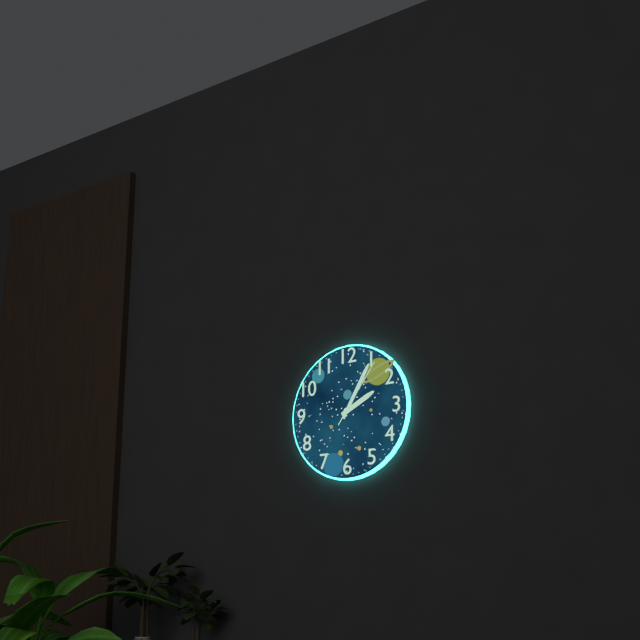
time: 2:05:06
